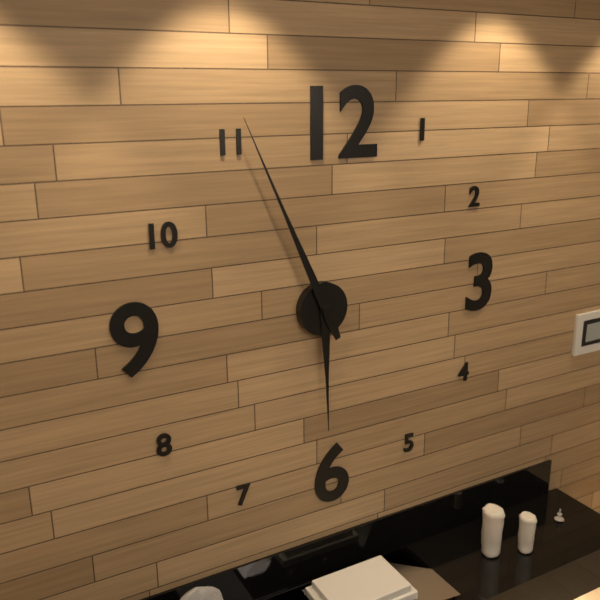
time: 5:56
